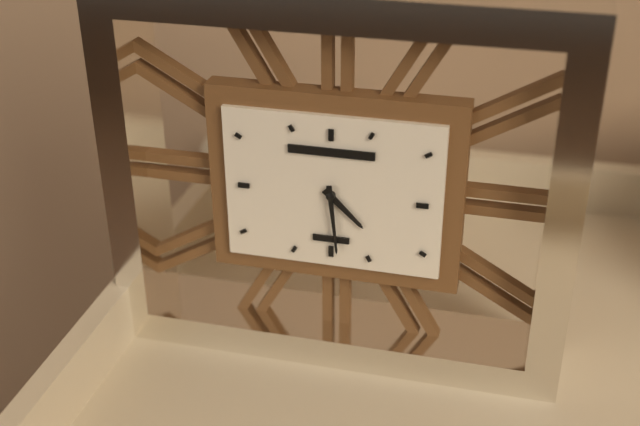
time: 4:29
